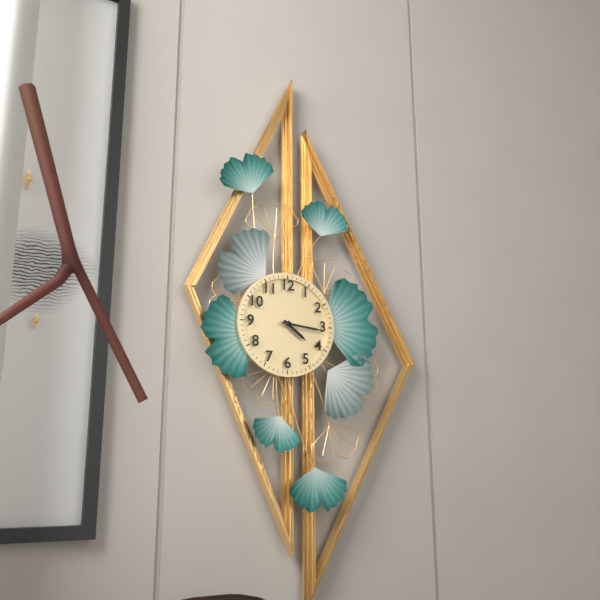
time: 4:16
